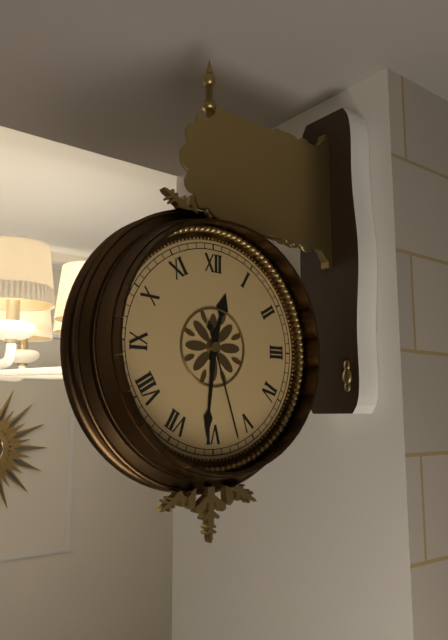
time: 12:31:27
